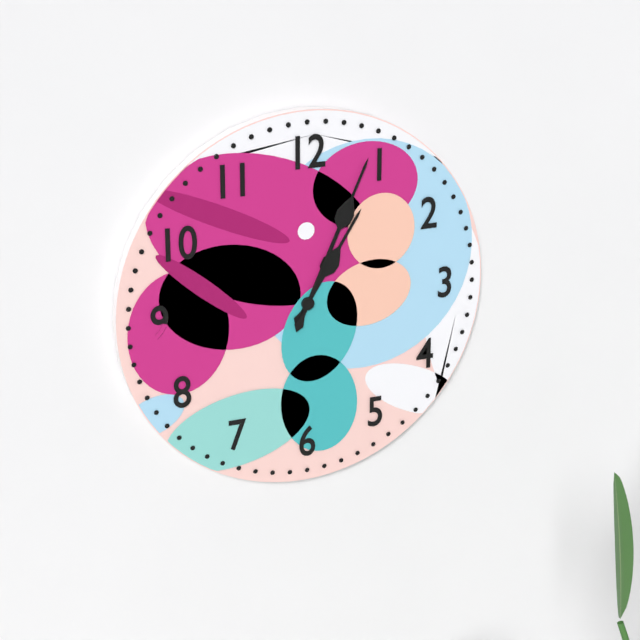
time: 1:04
